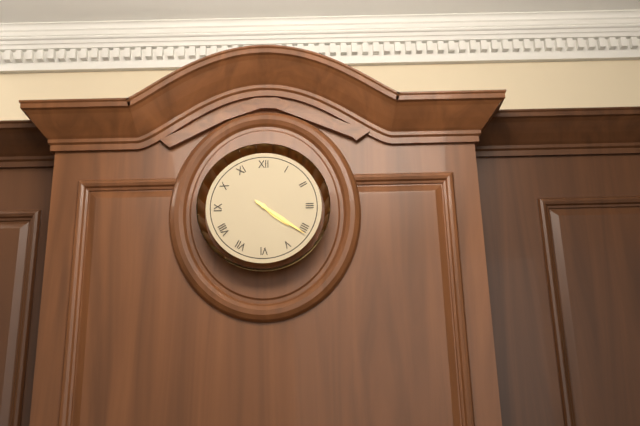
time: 4:21
